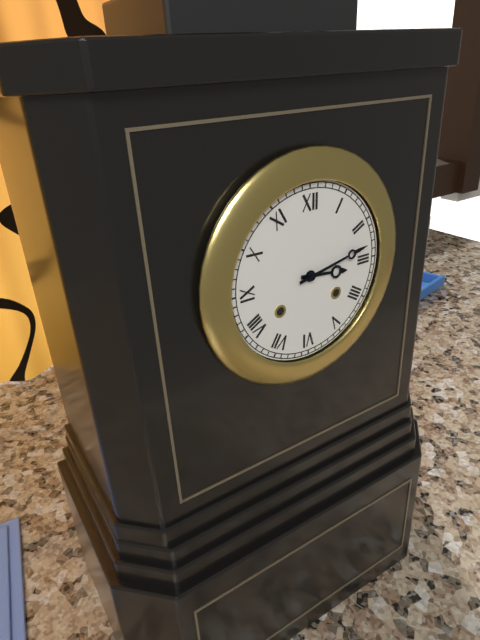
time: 3:13
